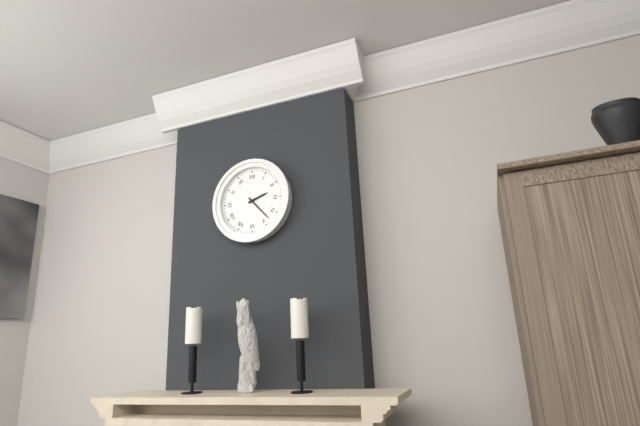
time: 2:23
